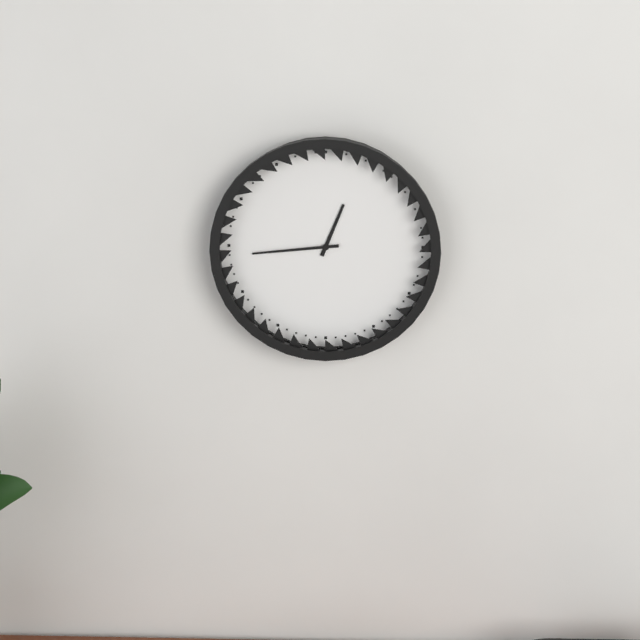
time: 12:44
